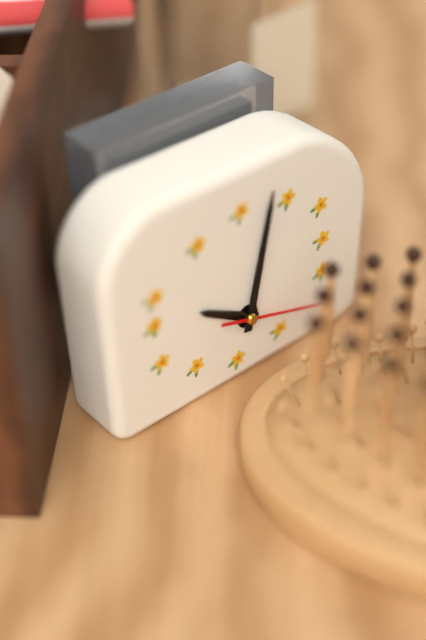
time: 10:02:18
